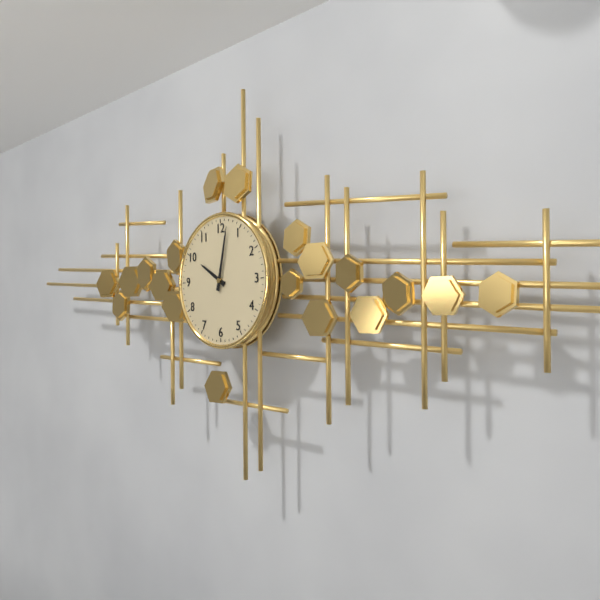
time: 10:02
